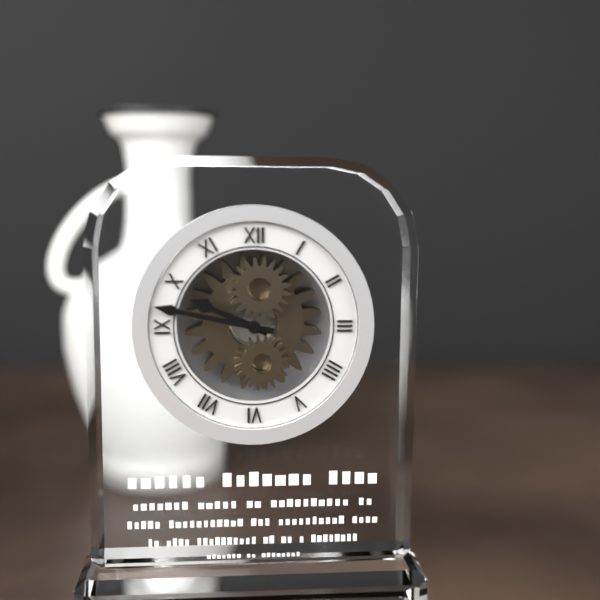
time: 9:47
